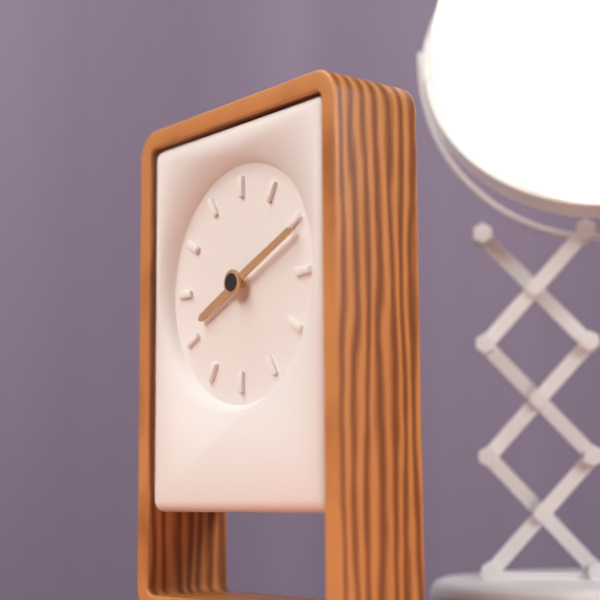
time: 8:11
